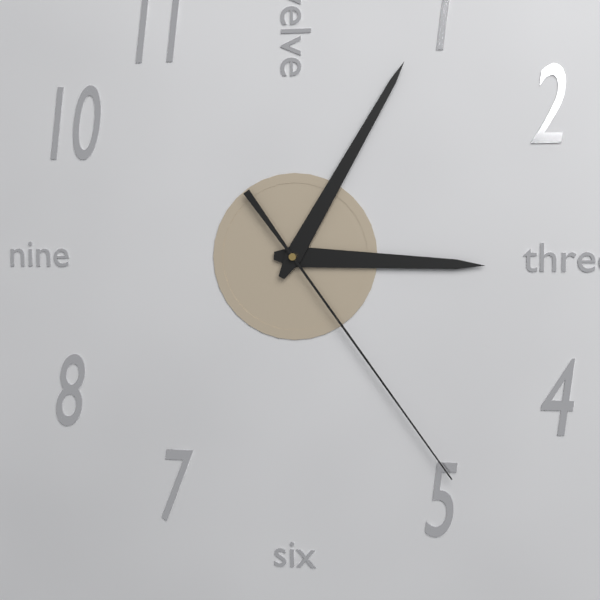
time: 3:05:24
